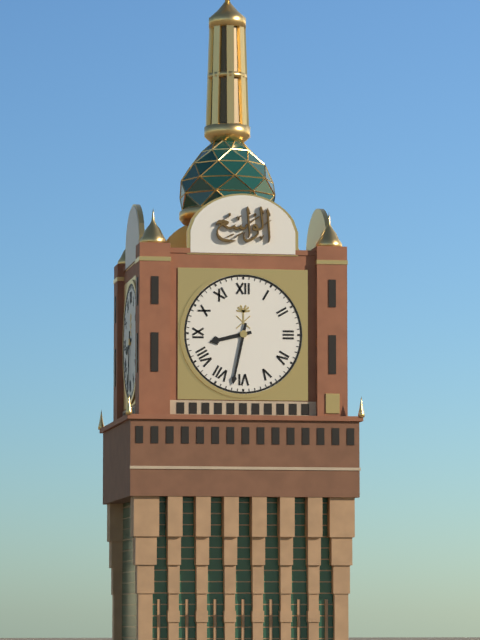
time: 8:32
